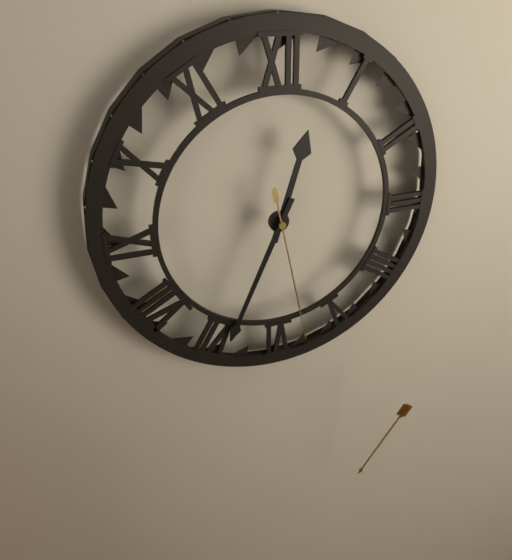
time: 12:34:28
